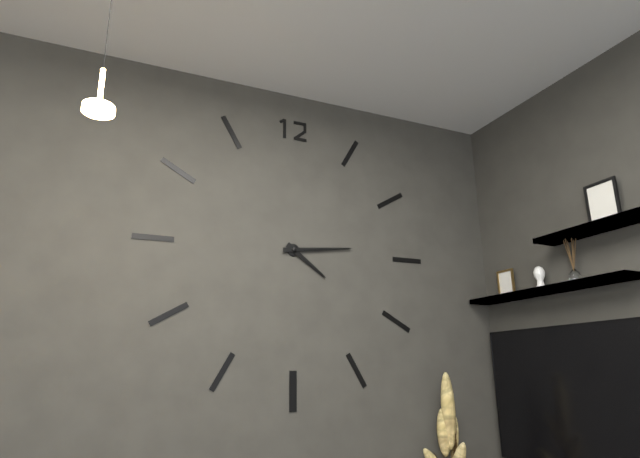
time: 4:14
